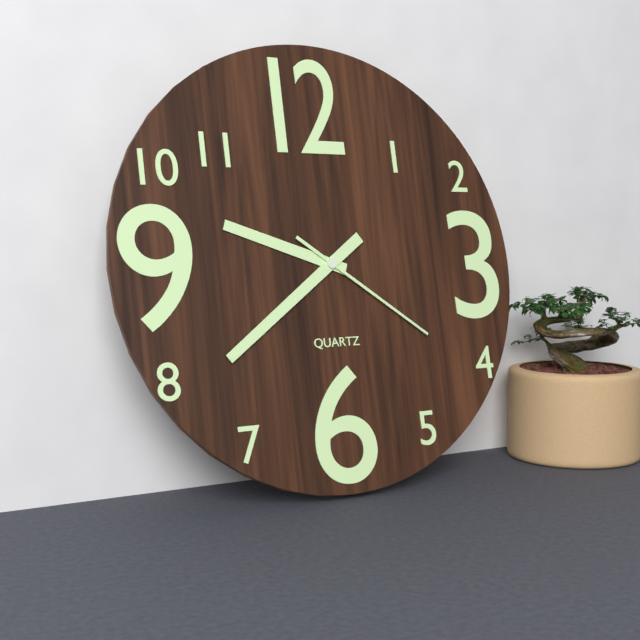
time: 9:39:21
